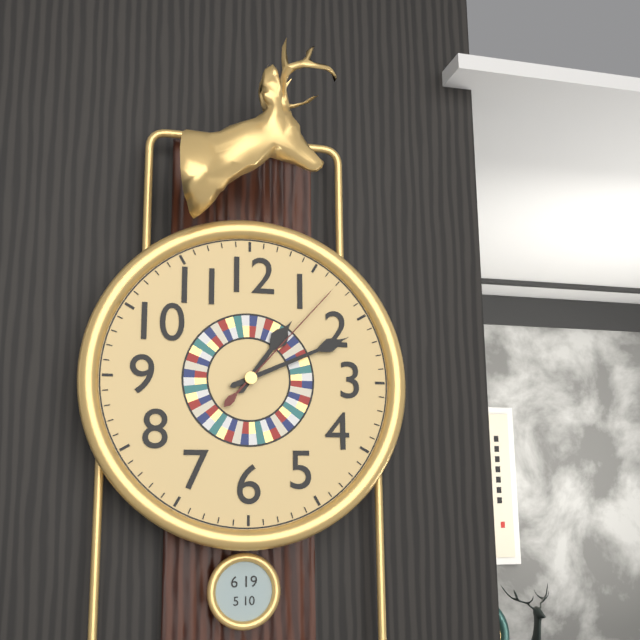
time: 1:11:07
